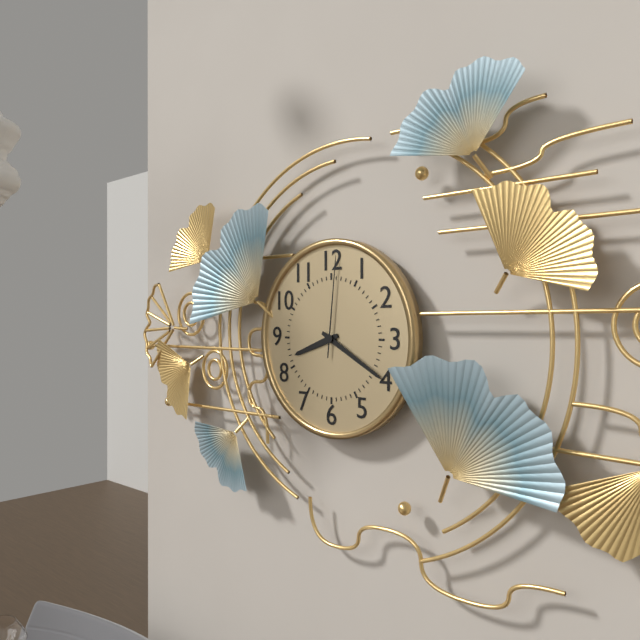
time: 8:20:01
